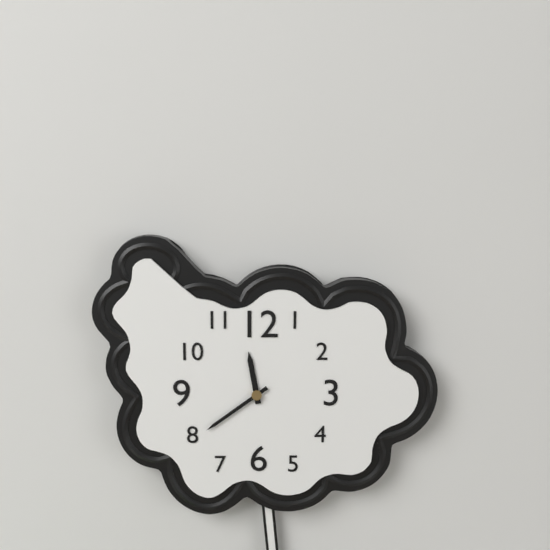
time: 11:39
